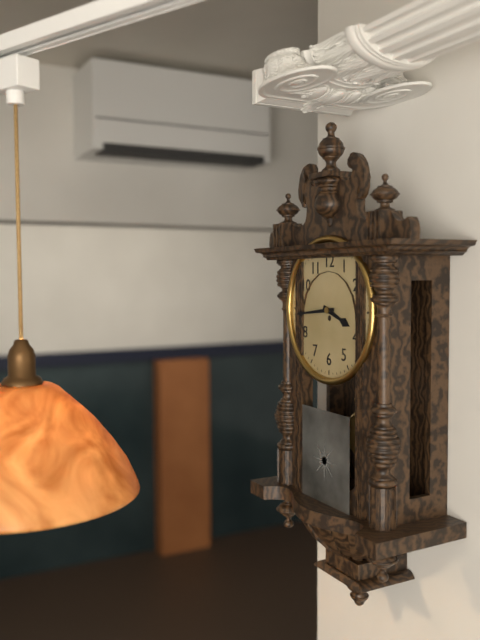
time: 3:44
